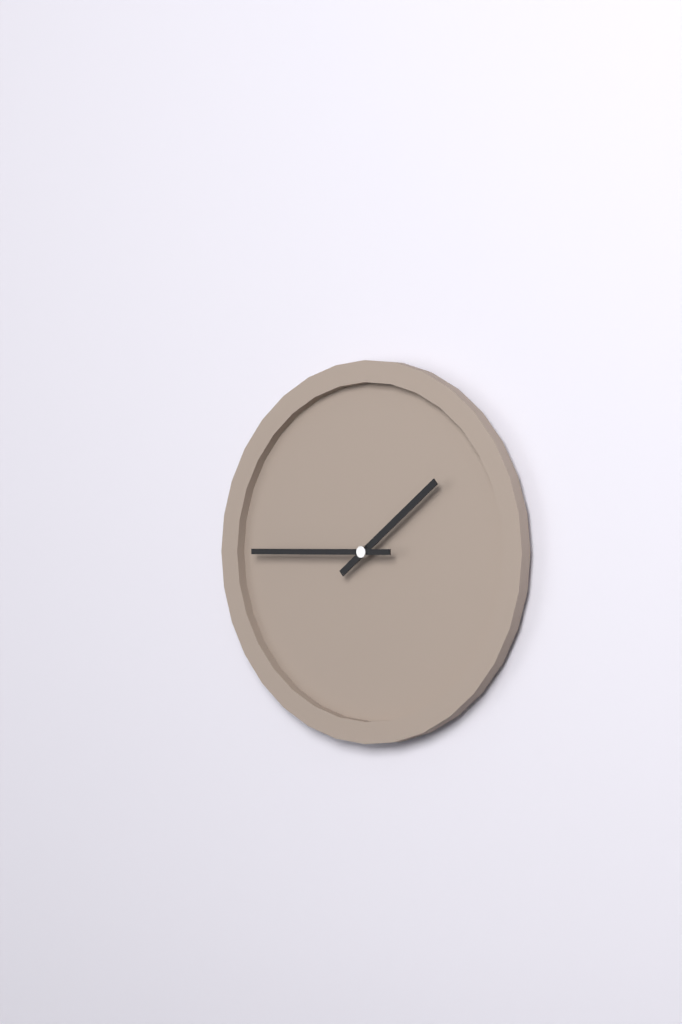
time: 1:45
